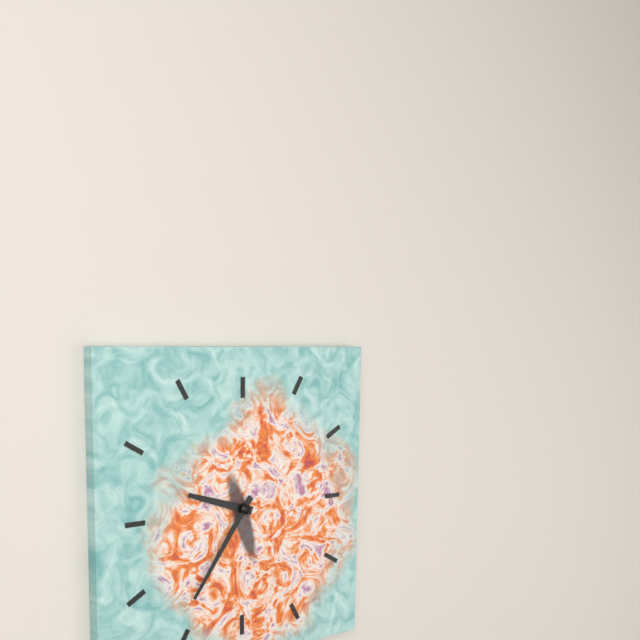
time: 9:36
